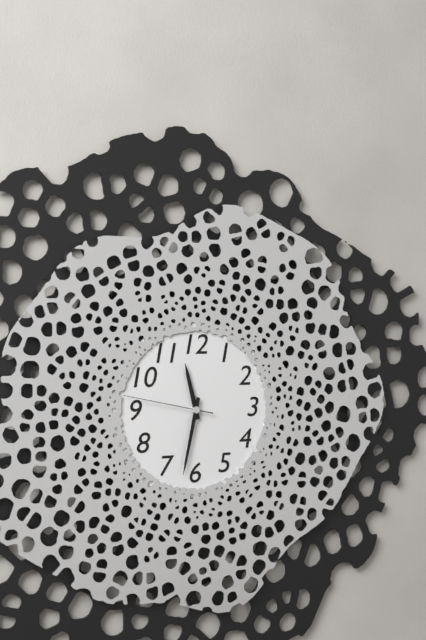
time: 11:32:47
